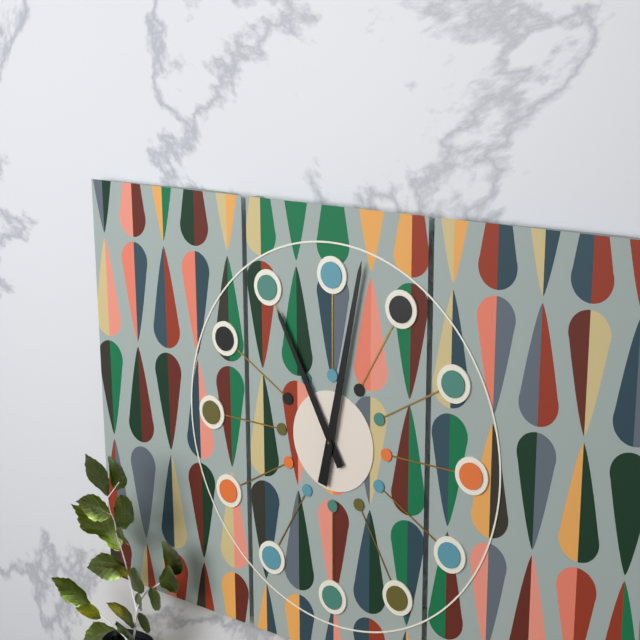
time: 11:02
